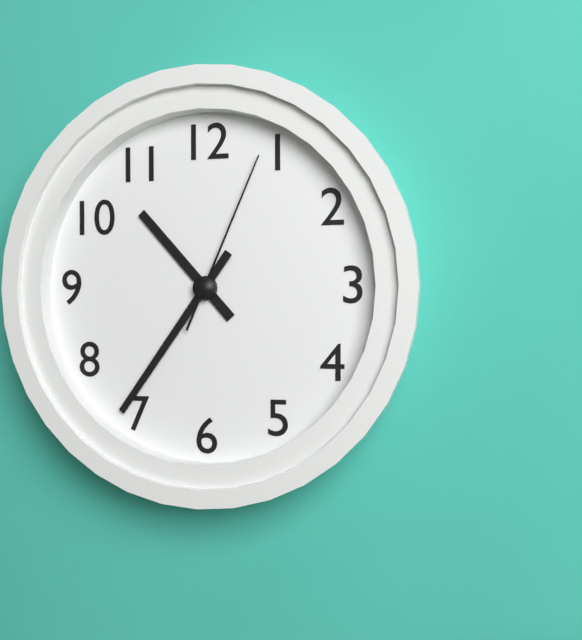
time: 10:36:04
